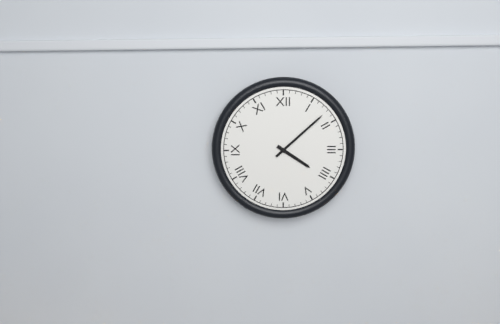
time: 4:08
